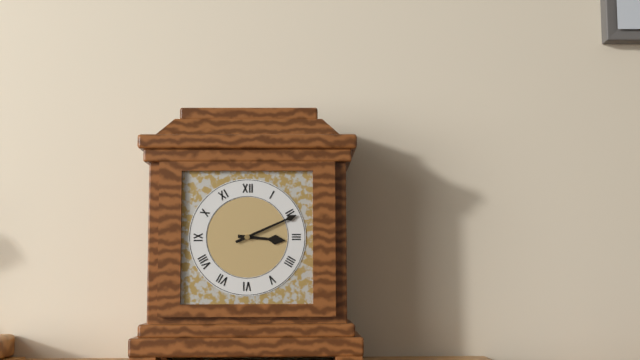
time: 3:11
